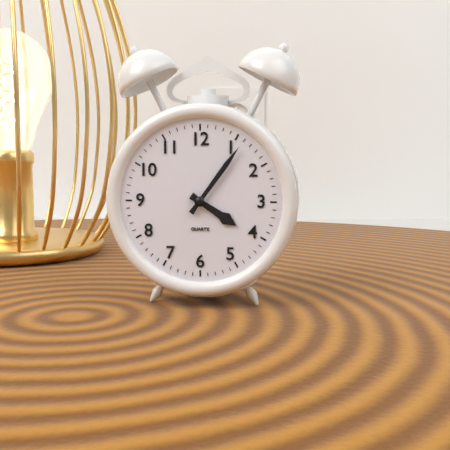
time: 4:06
